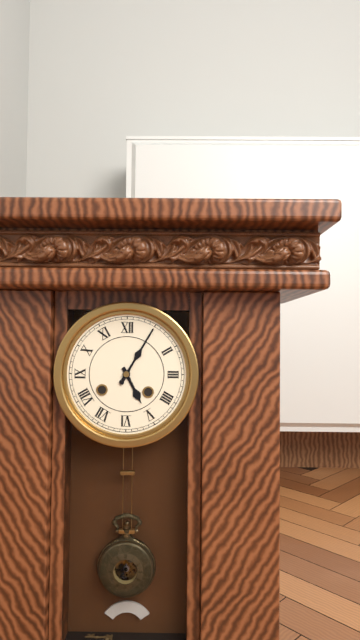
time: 5:05
